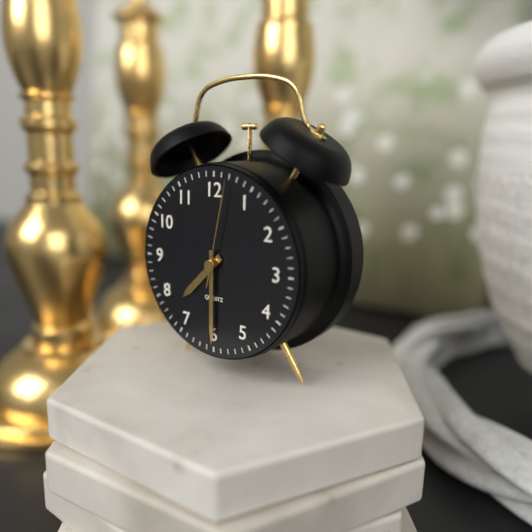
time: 7:30:02
